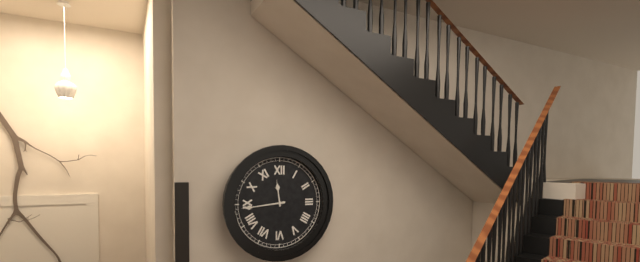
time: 11:44
